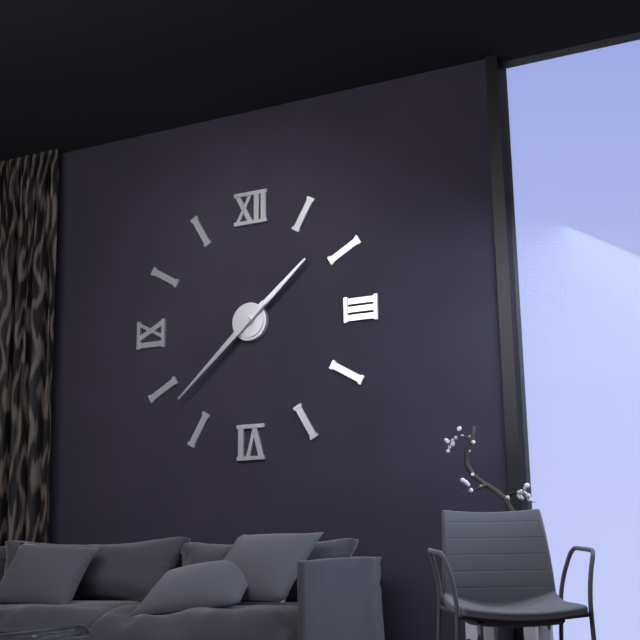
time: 1:38
